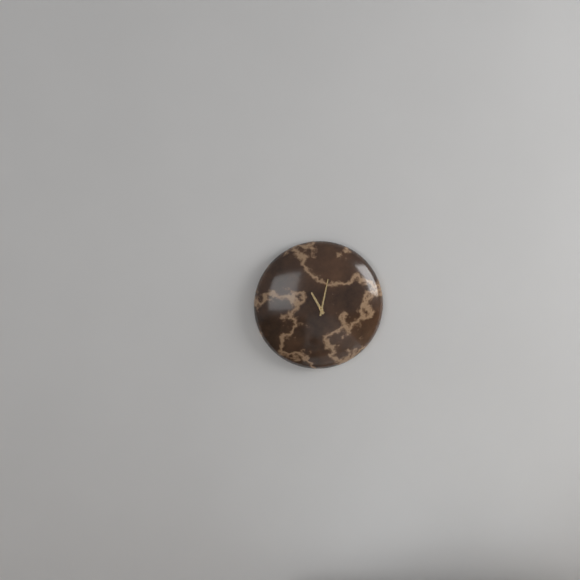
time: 11:02
